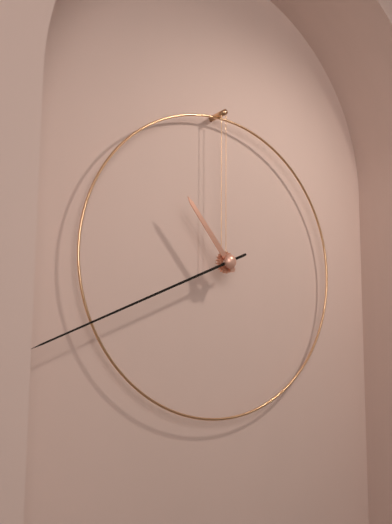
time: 10:41
